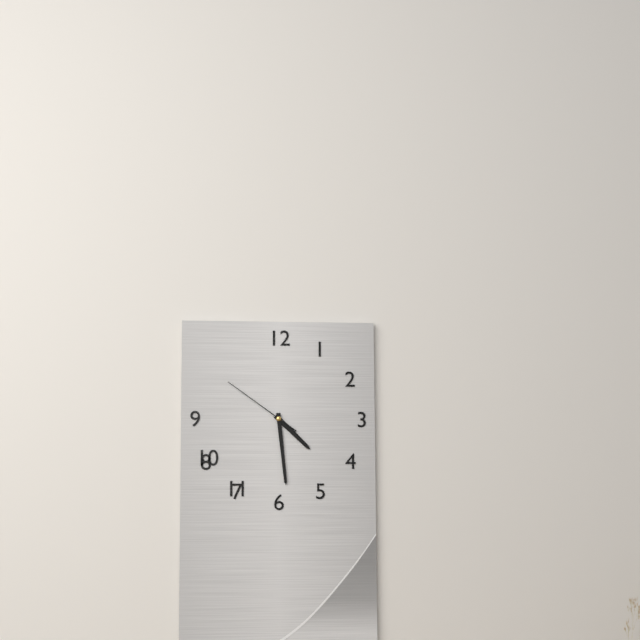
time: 4:29:51
